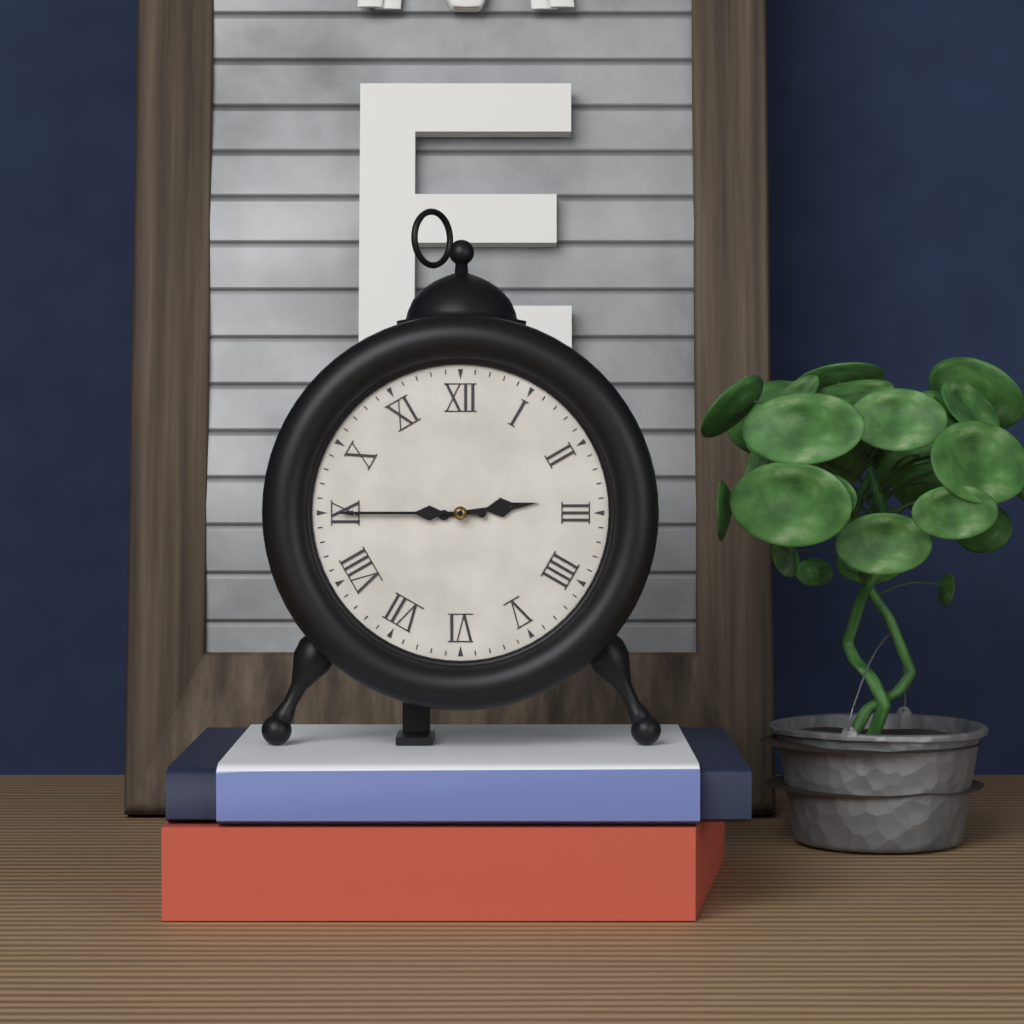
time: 2:45
